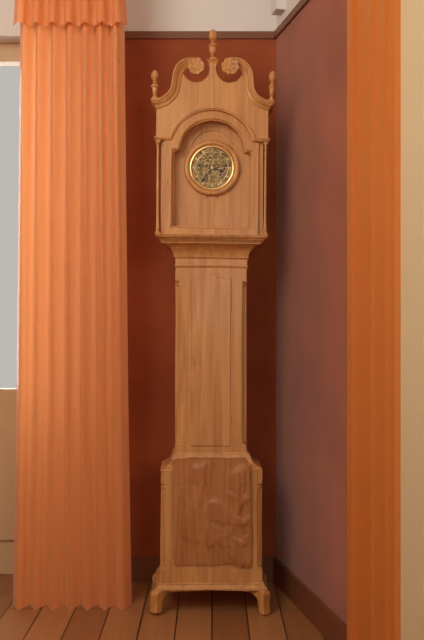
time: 3:36
